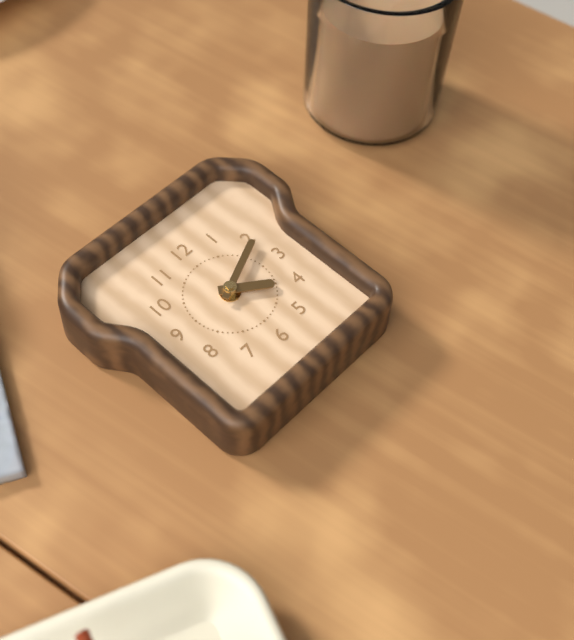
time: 4:11
